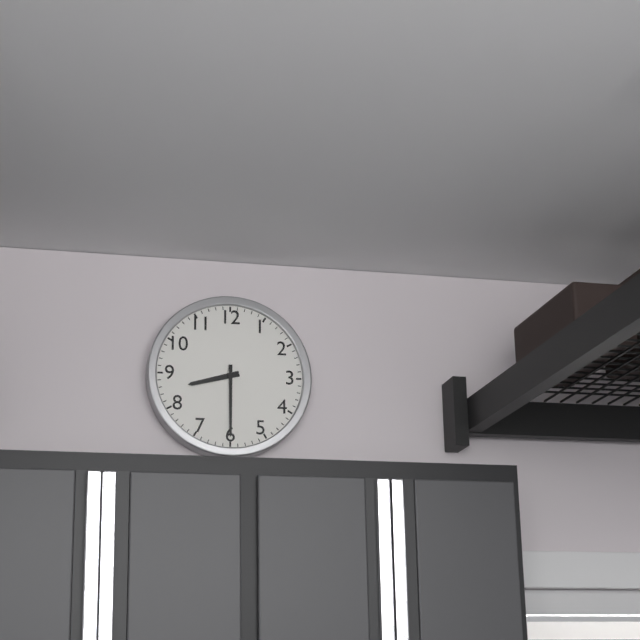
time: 8:30
